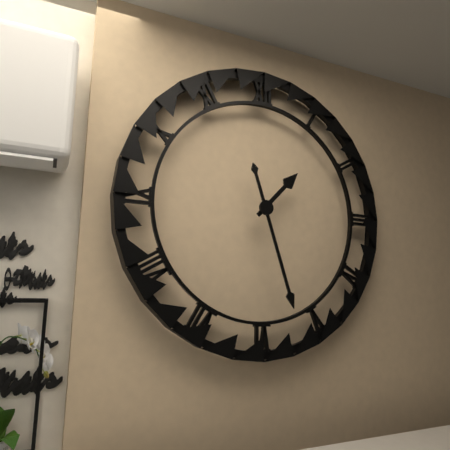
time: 1:27
